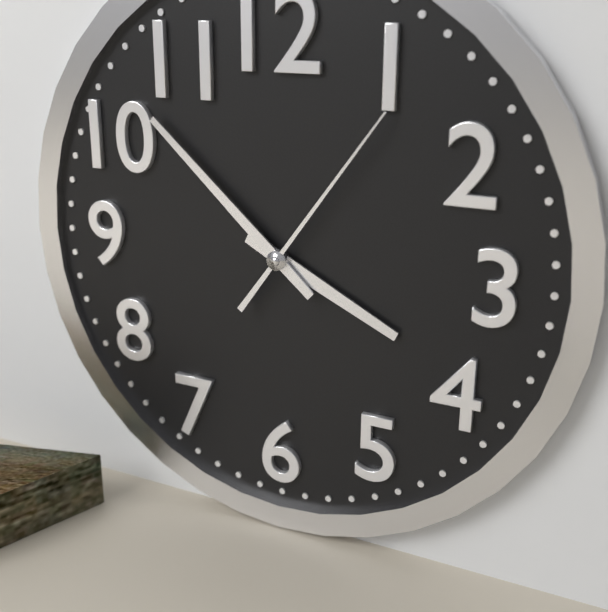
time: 3:52:06
